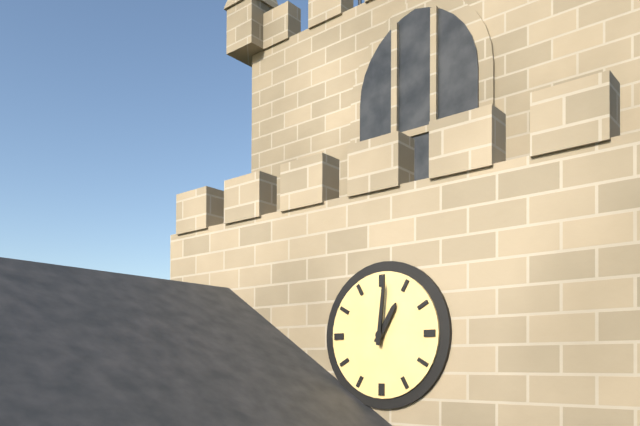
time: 1:01
